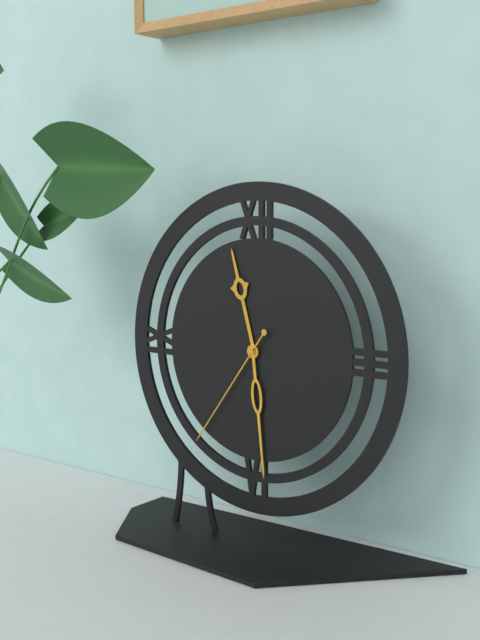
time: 11:29:36
